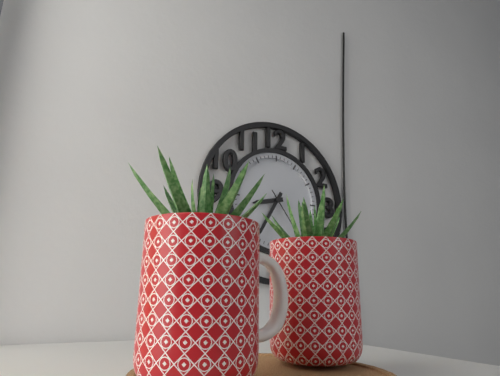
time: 8:35
